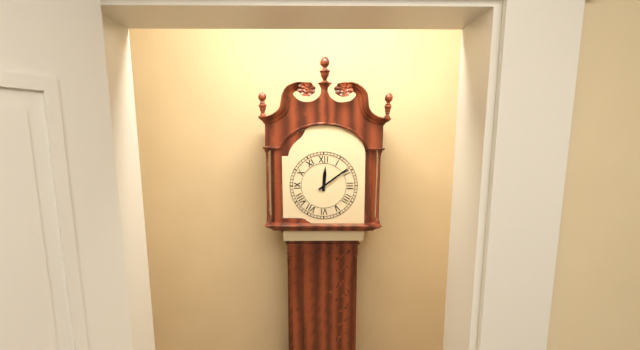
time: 12:09
